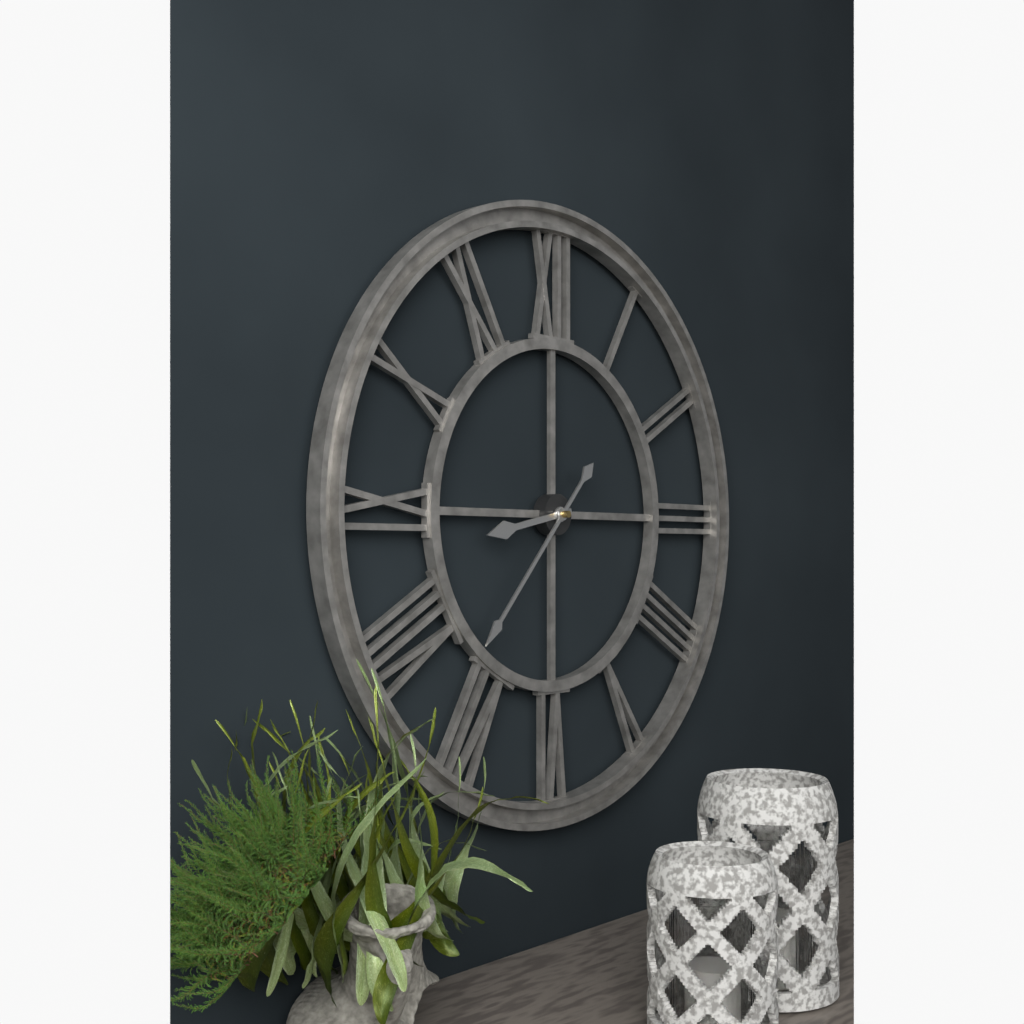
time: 8:37
